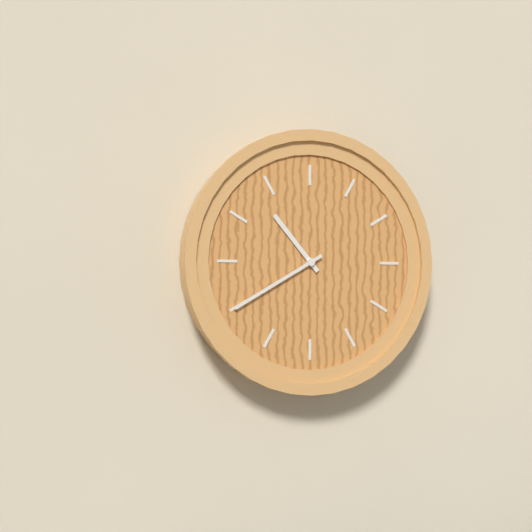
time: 10:40
